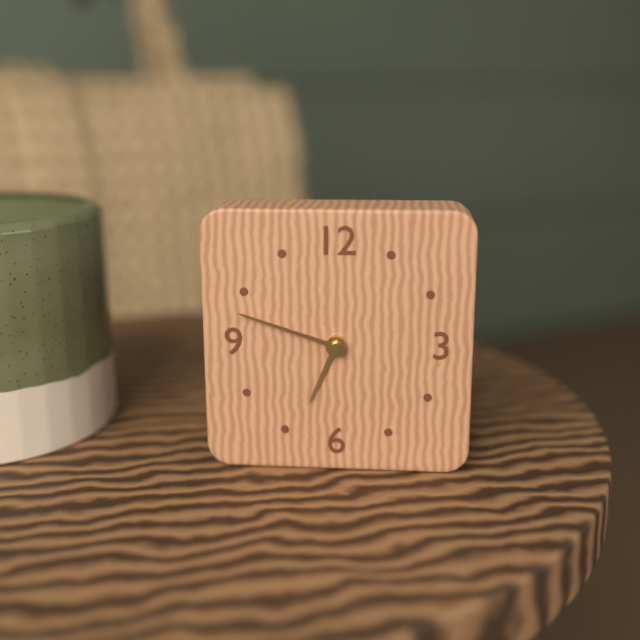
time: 6:48
